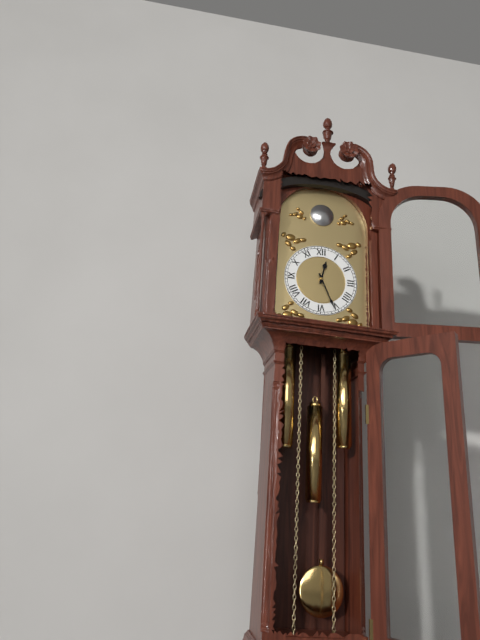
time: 12:26
